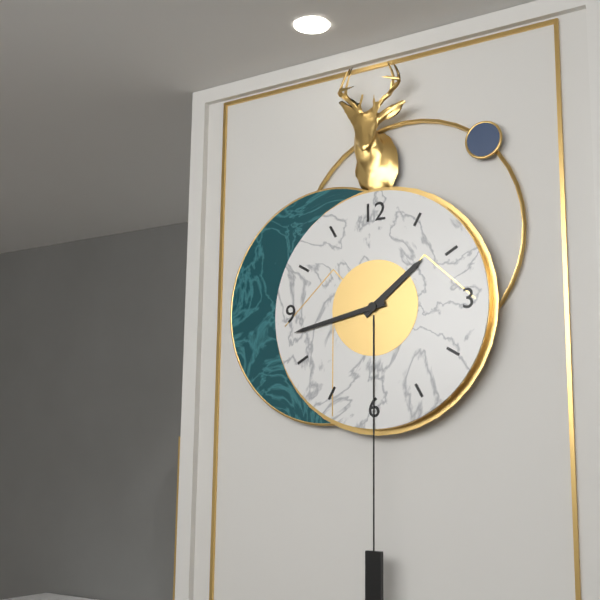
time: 1:43
